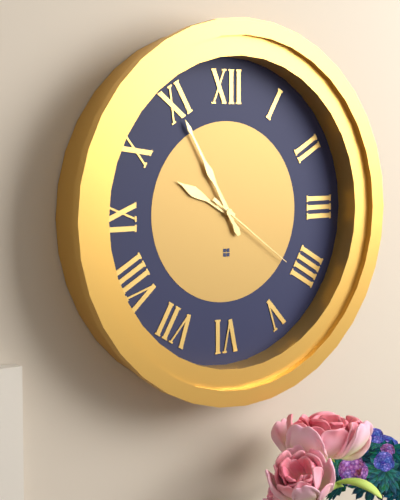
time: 9:55:21
